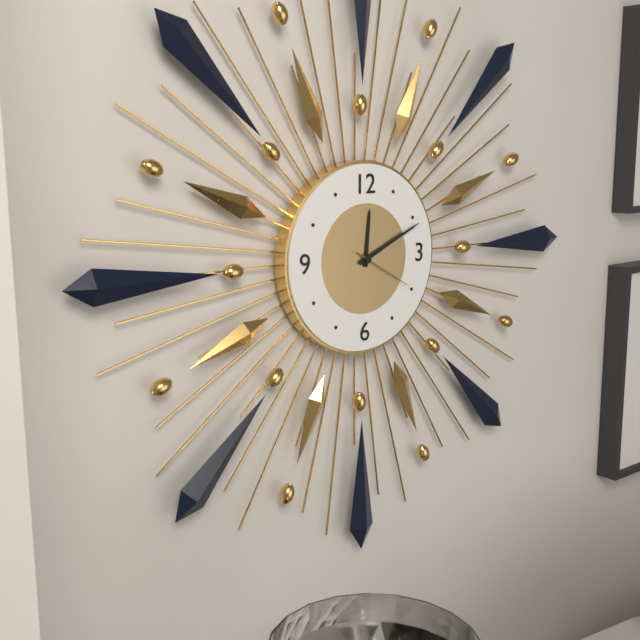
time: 12:11:20
